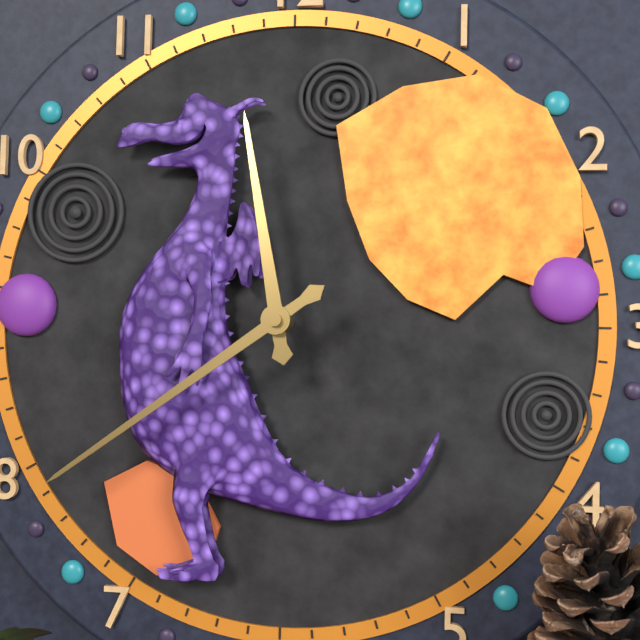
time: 11:39
